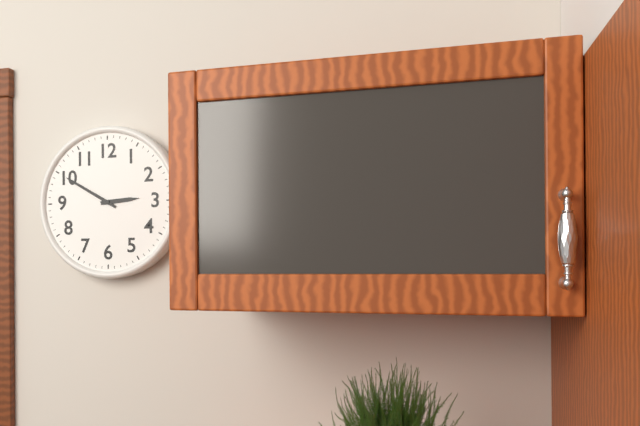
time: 2:50
